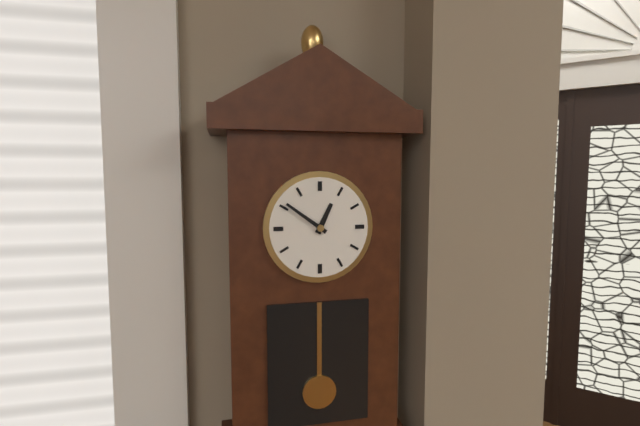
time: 12:51
